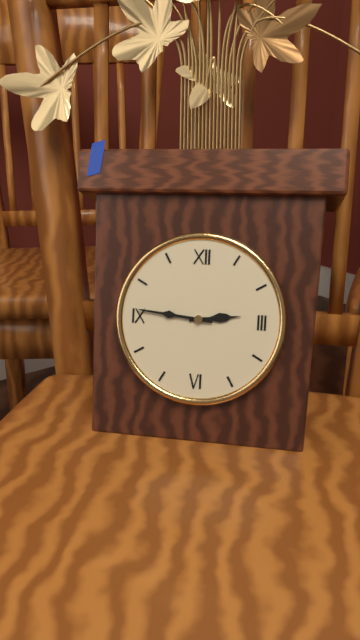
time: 2:46
